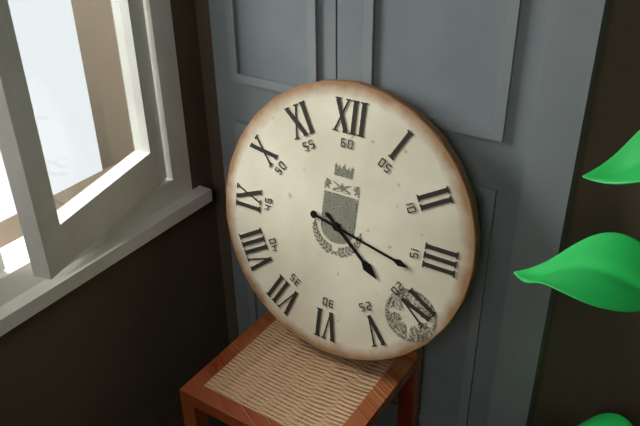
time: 4:17
